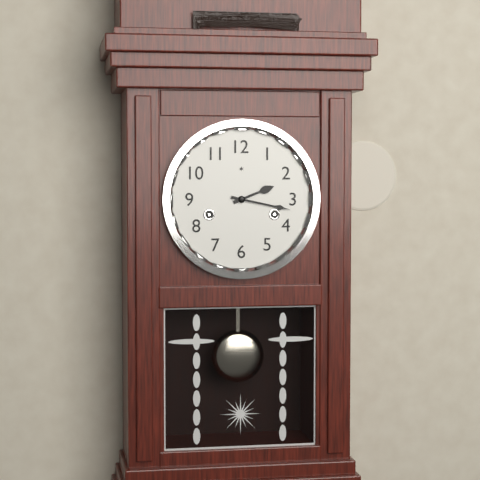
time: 2:17
